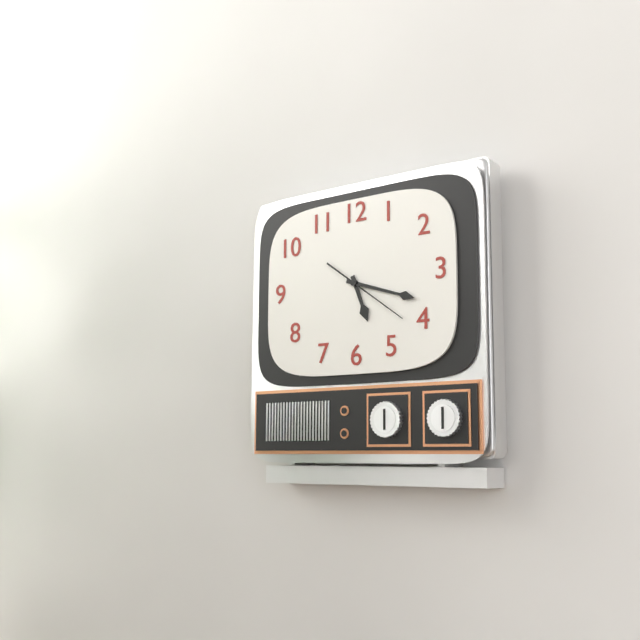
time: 5:18:21
